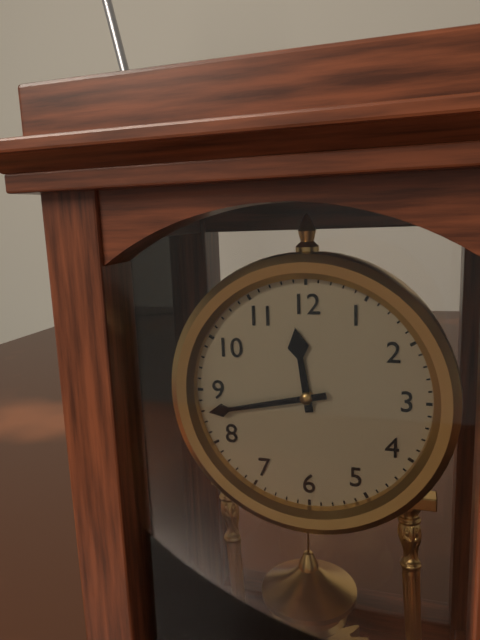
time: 11:43
